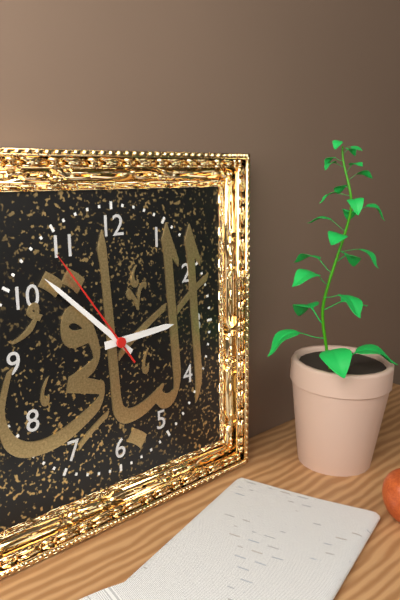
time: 2:52:54
